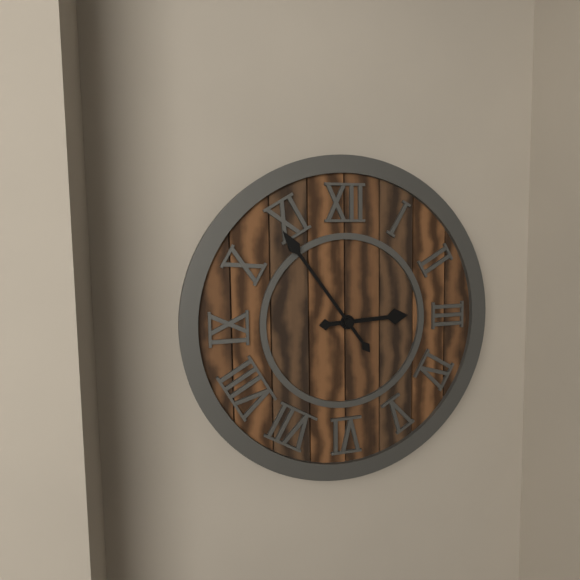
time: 2:54
